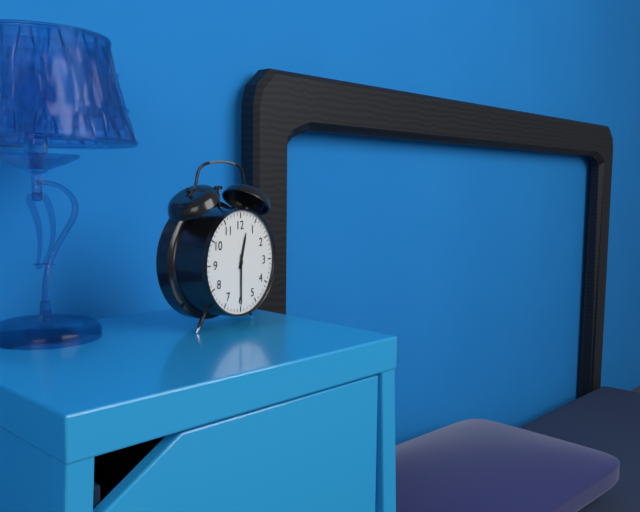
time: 12:30
